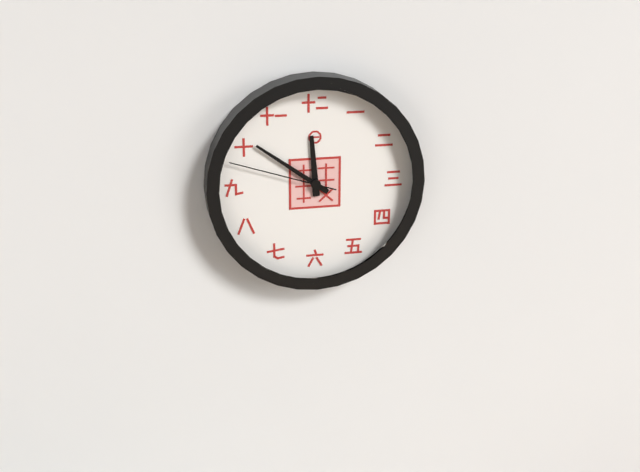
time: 11:51:48
